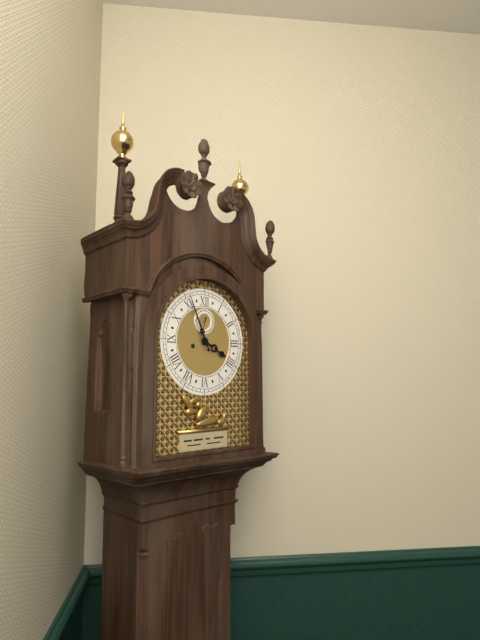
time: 3:56
